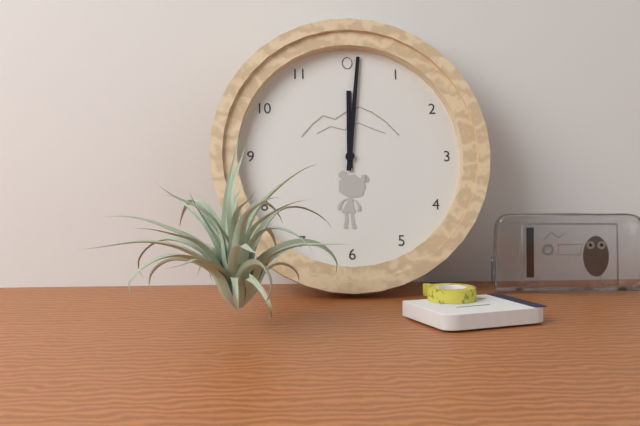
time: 12:01
